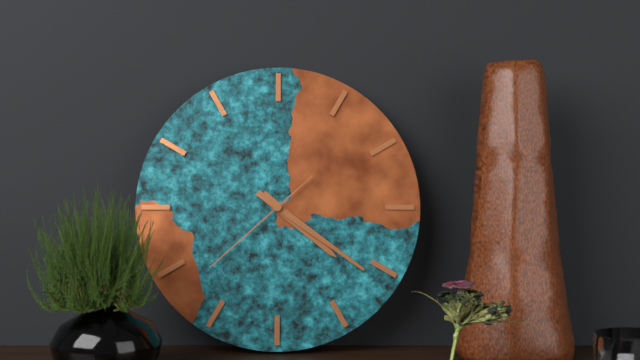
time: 4:21:38
